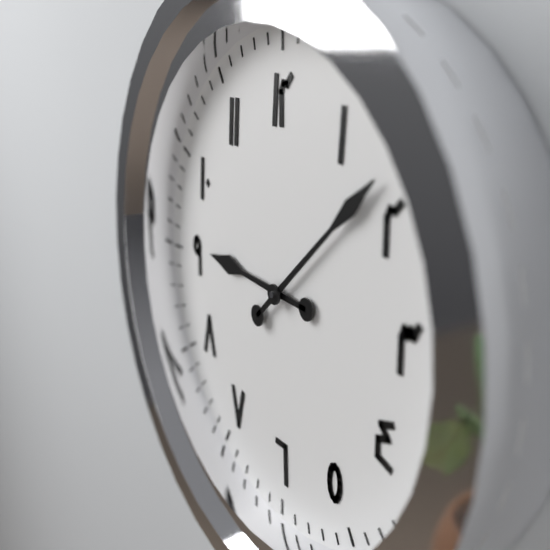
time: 9:08
